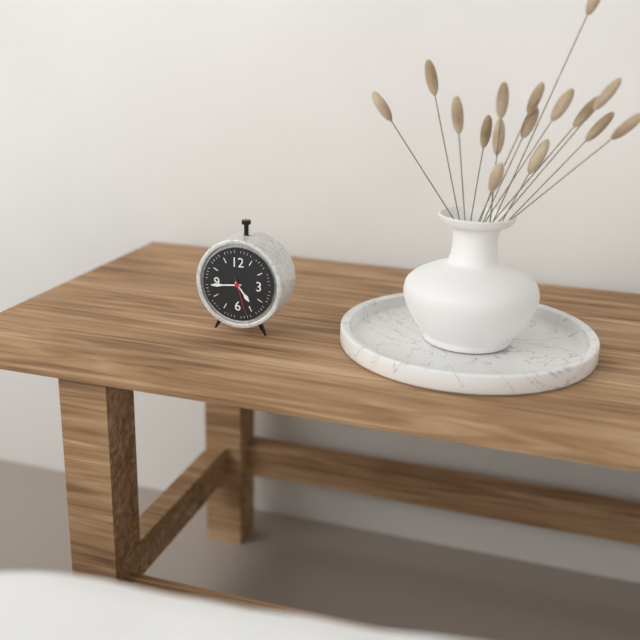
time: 4:44
